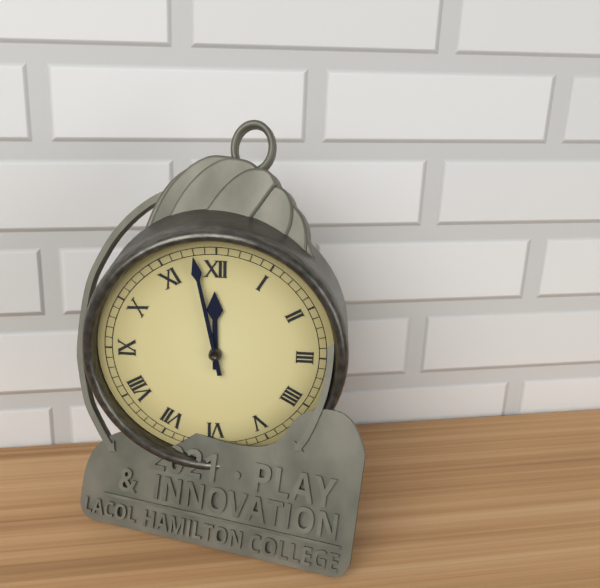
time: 11:58
